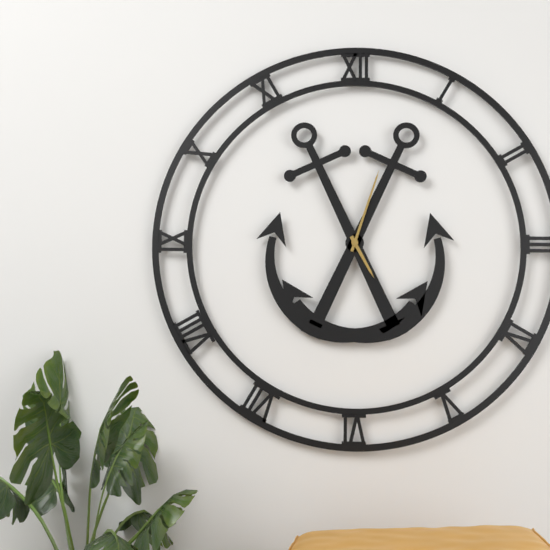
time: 5:03
